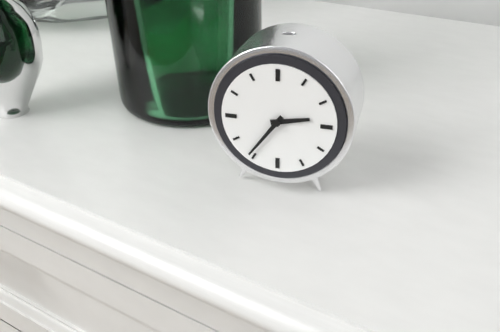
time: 2:36
